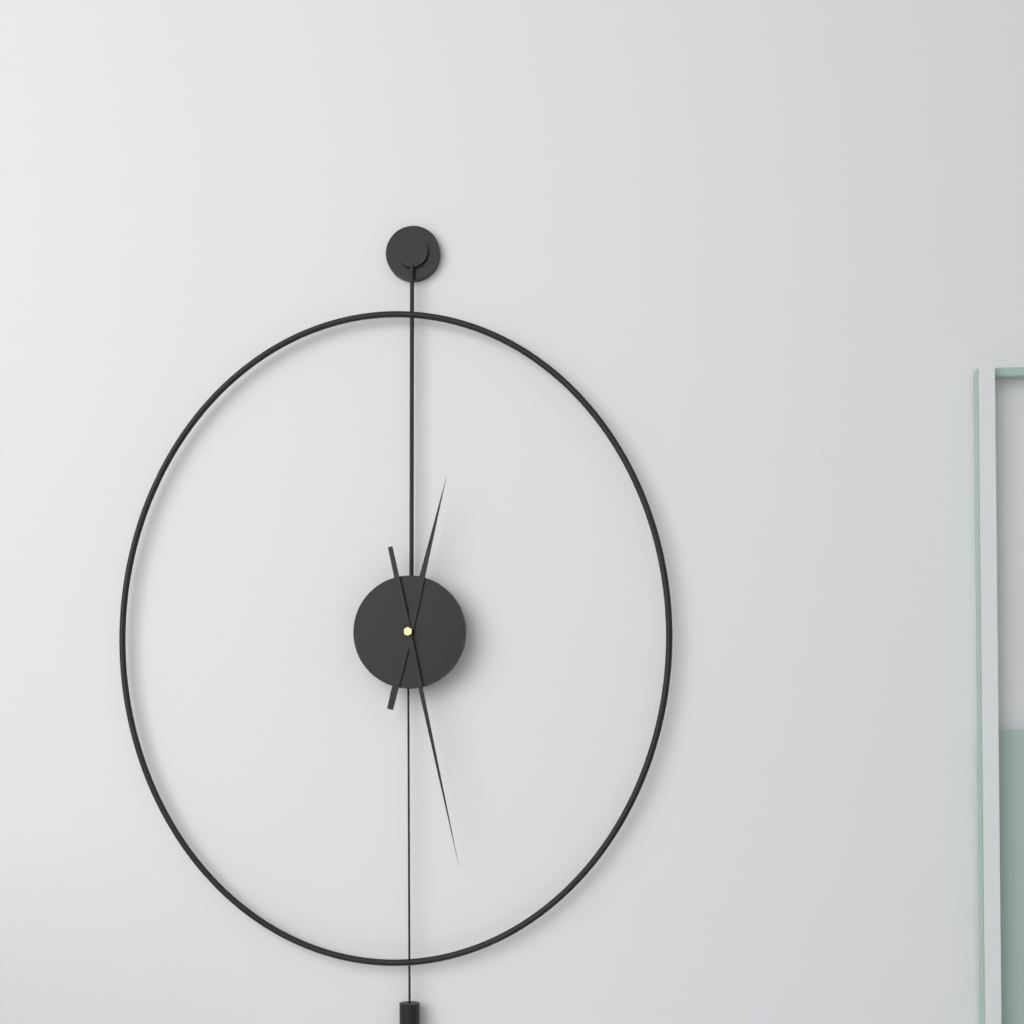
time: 12:28
